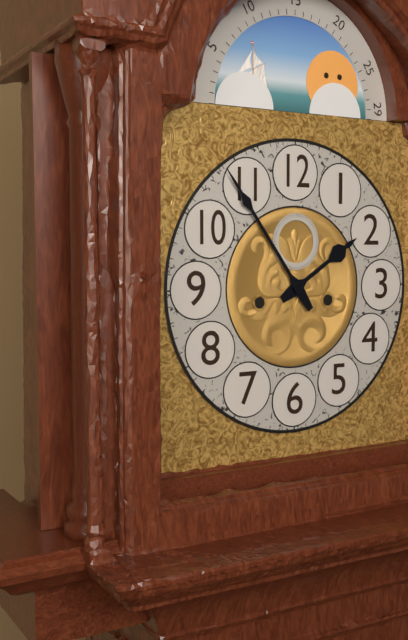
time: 1:54
